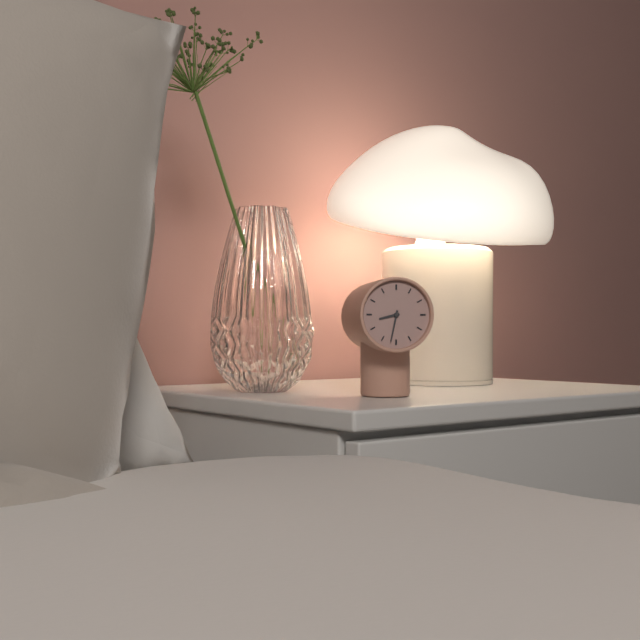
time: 8:32
